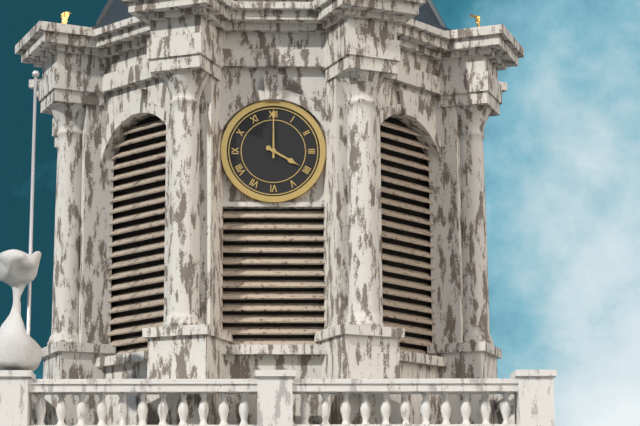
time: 4:00
